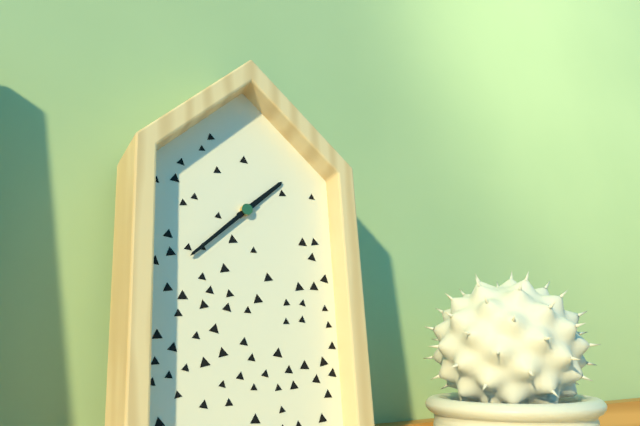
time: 1:38
